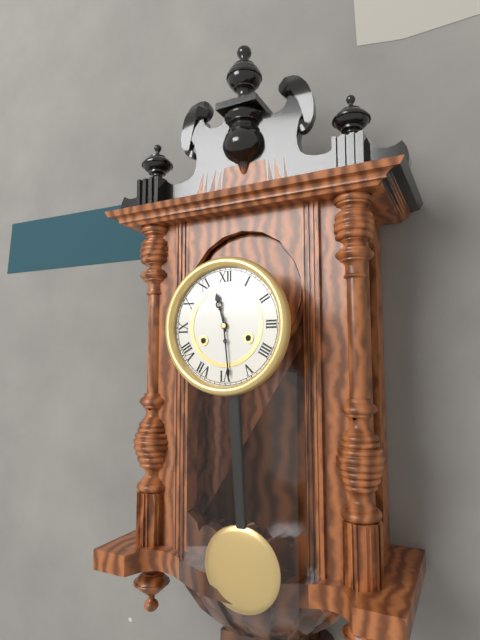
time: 11:29
